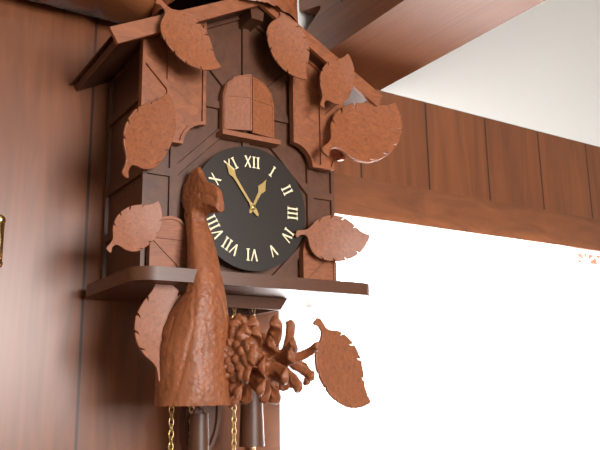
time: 12:54
